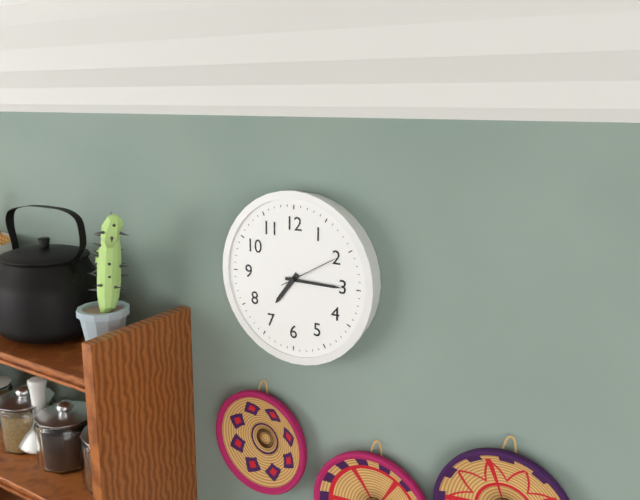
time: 7:15:10
